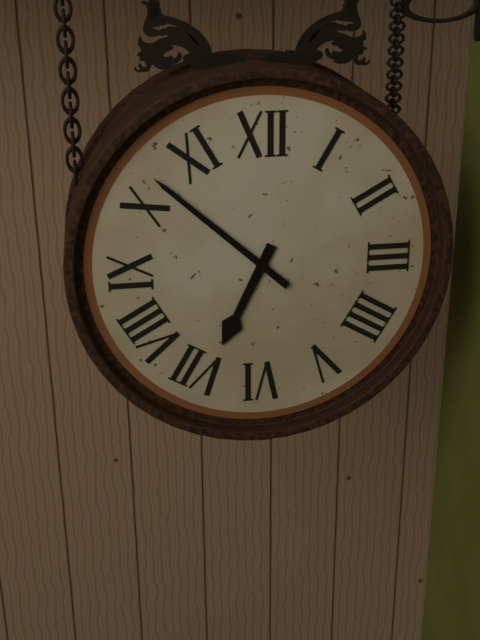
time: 6:52
